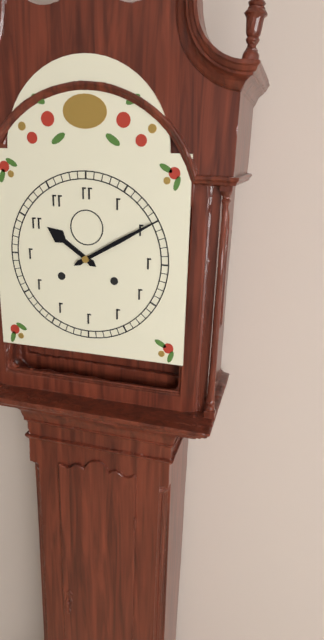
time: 10:10
